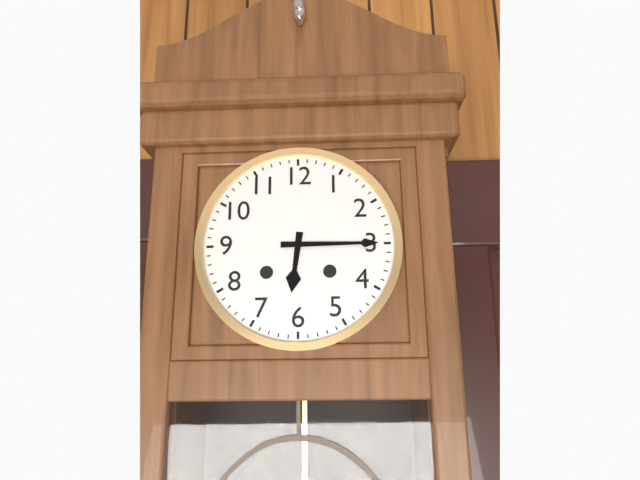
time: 6:15
